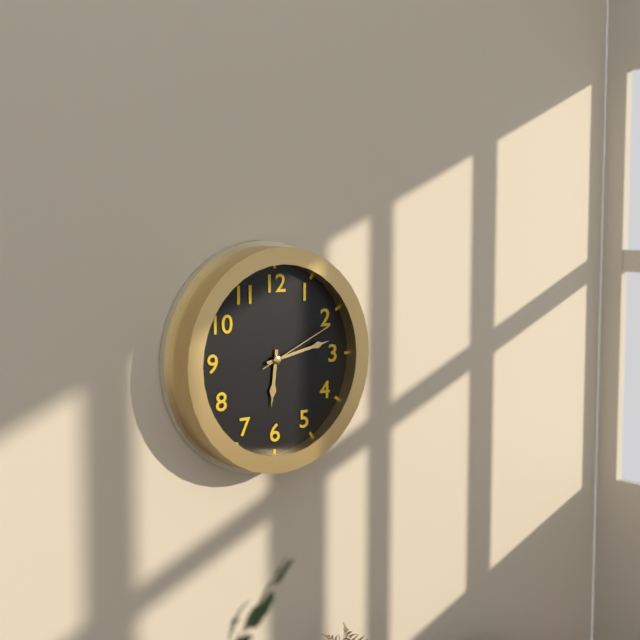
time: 6:13:11
